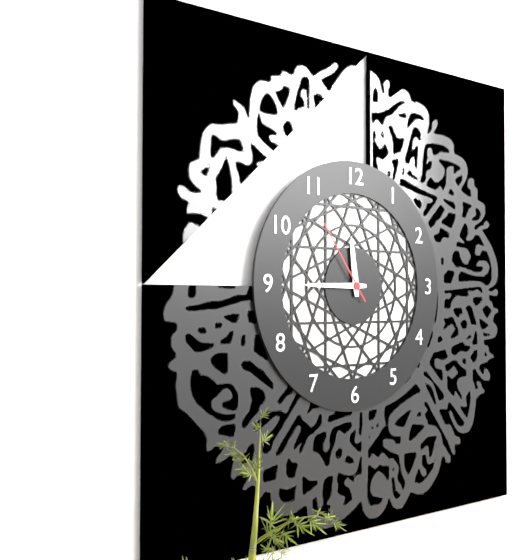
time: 11:45:54
